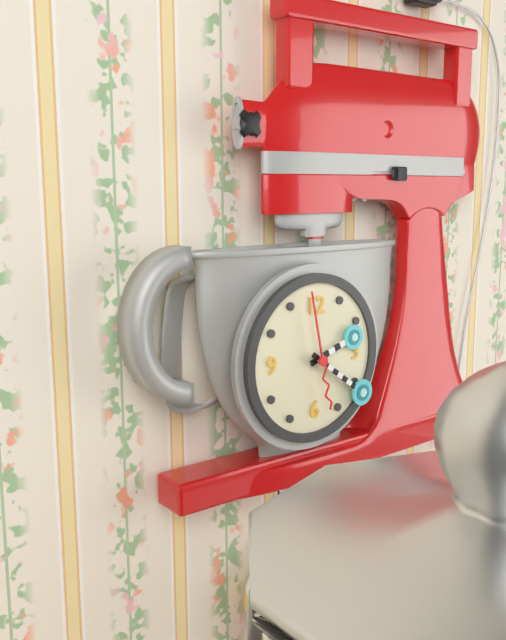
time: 2:21:58
